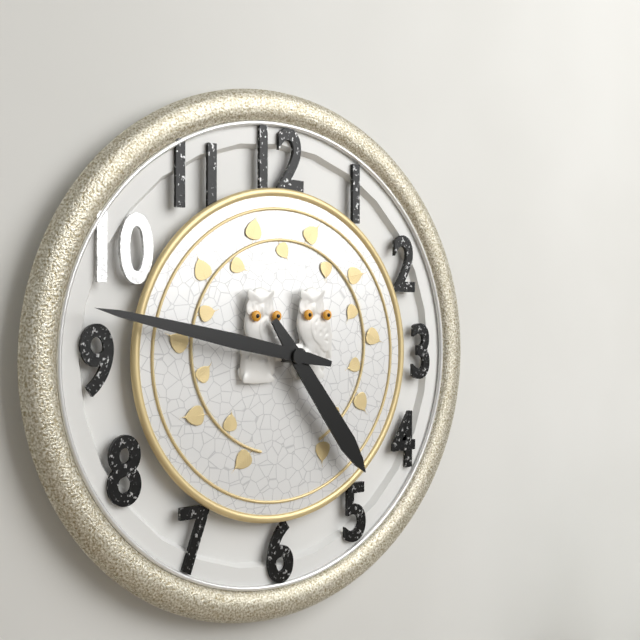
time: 4:47
